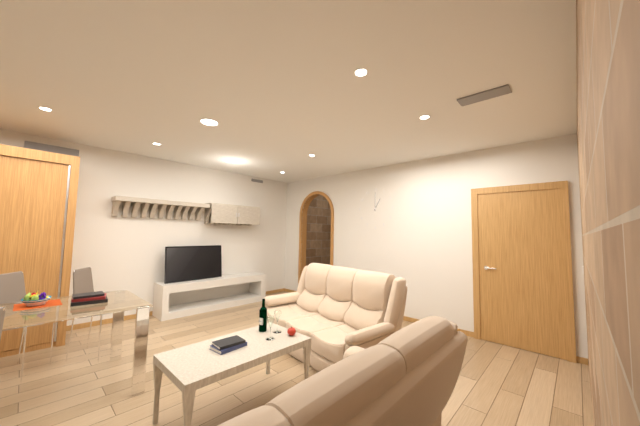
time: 1:00
